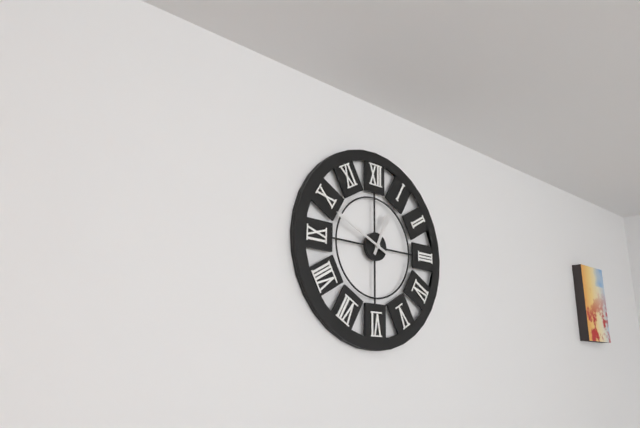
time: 12:49
